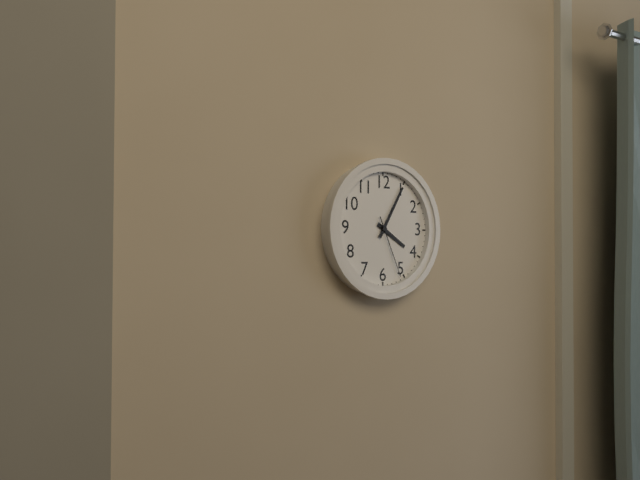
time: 4:05:26
